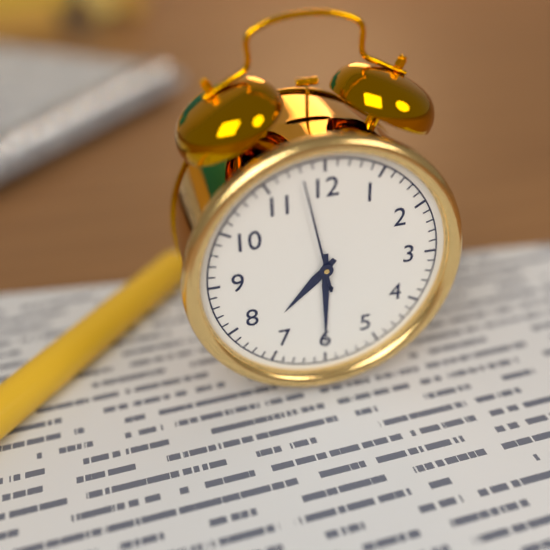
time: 7:30:58
